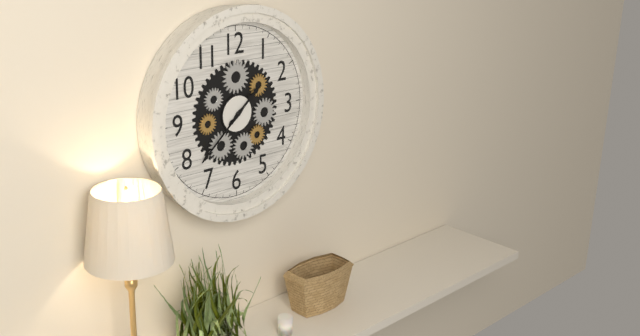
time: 1:38
